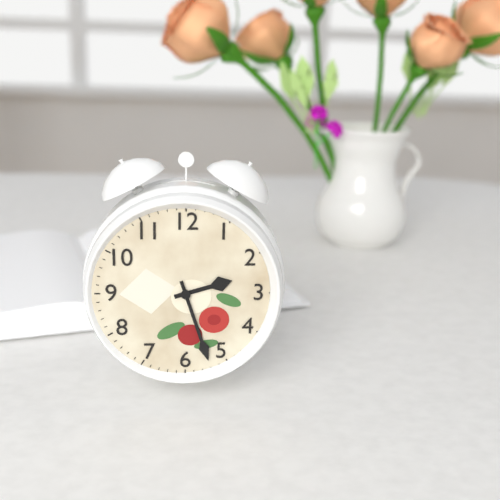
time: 2:27
